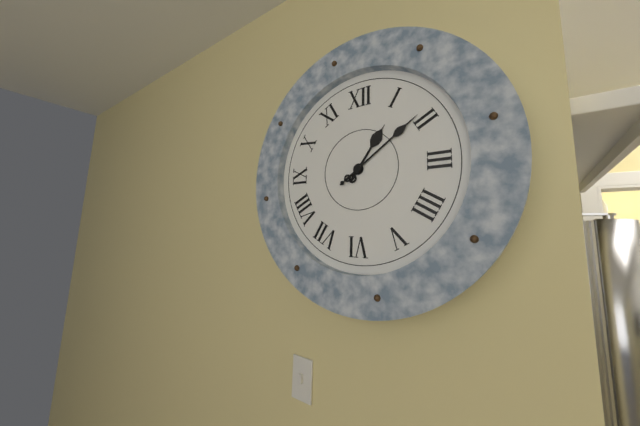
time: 1:09
